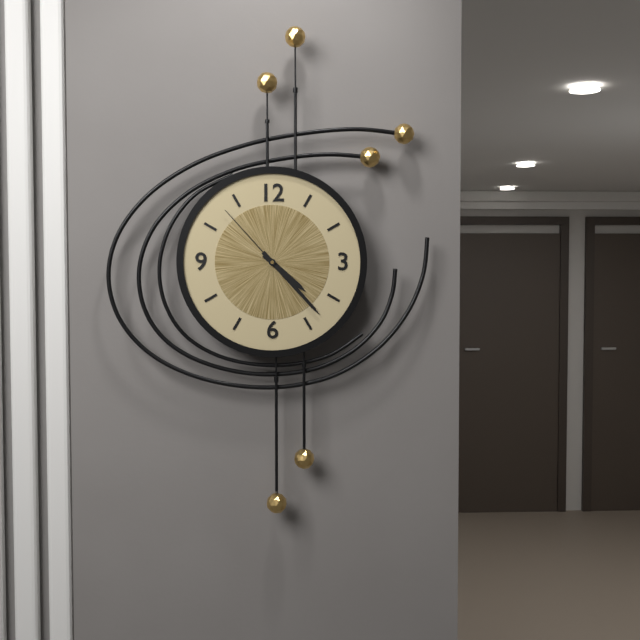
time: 4:23:53
